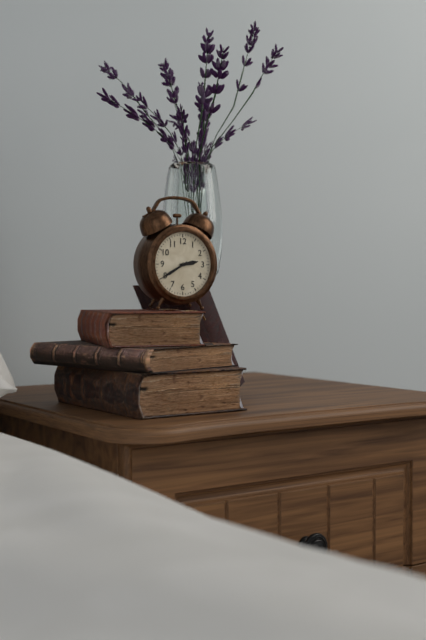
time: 2:40
